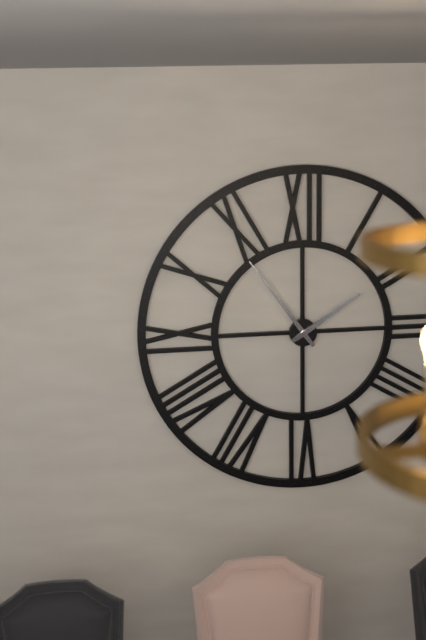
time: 1:54
